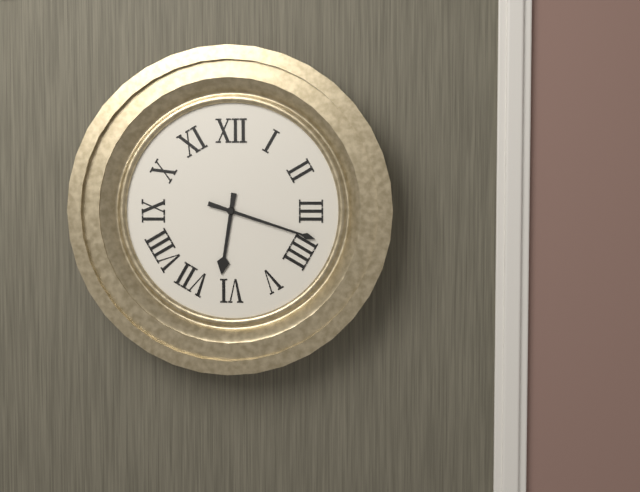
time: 6:18
